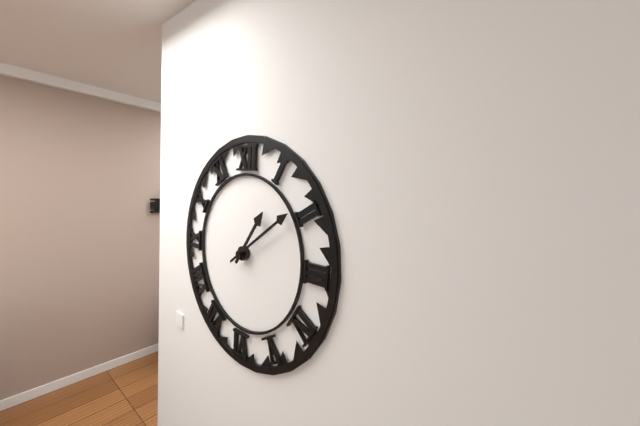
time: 1:09
